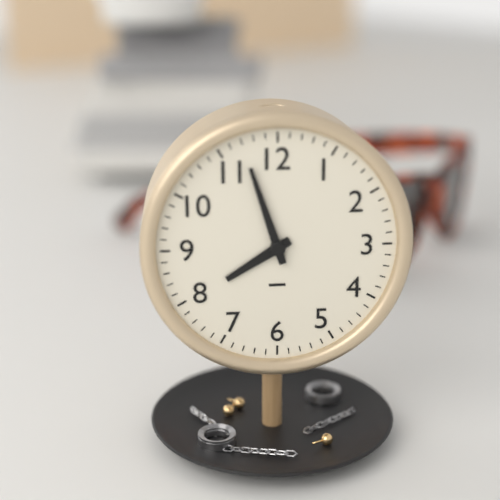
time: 7:57
